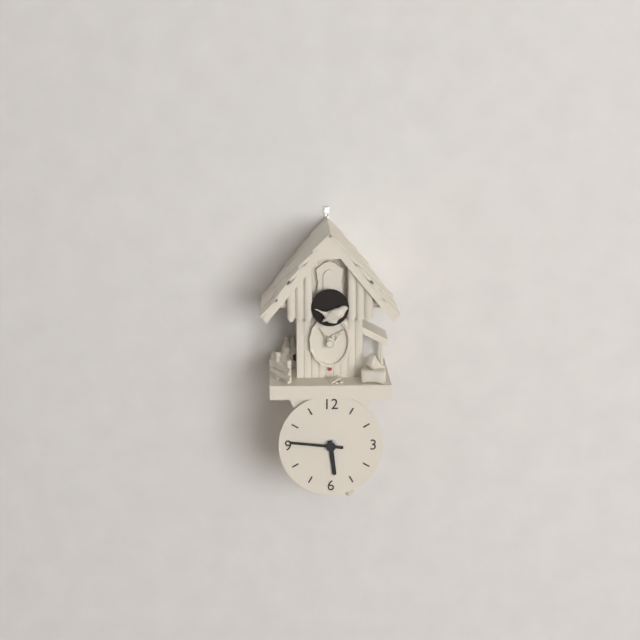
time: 5:46
